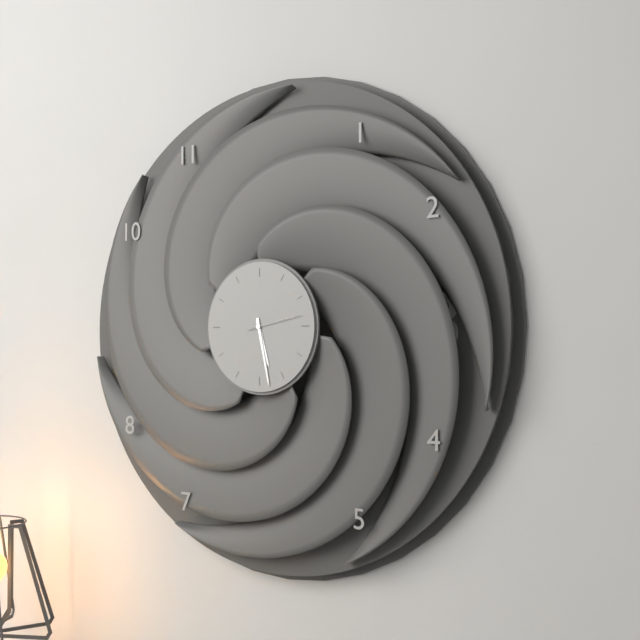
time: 5:28:13
